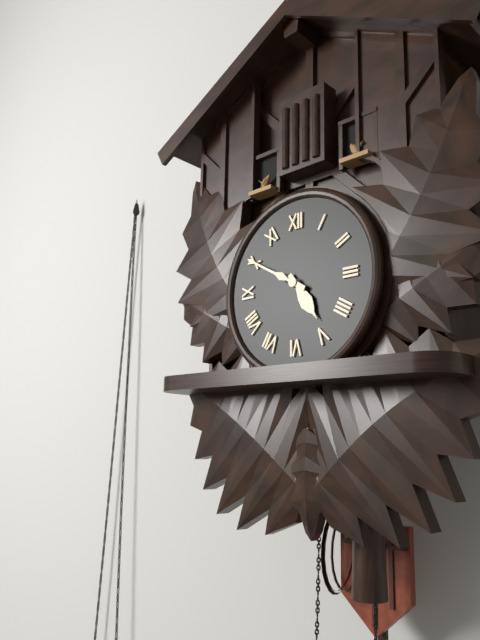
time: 4:50
